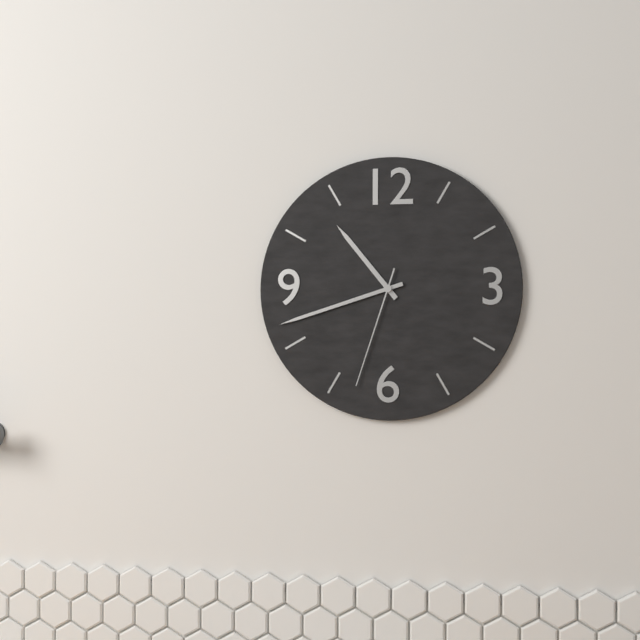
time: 10:42:33
